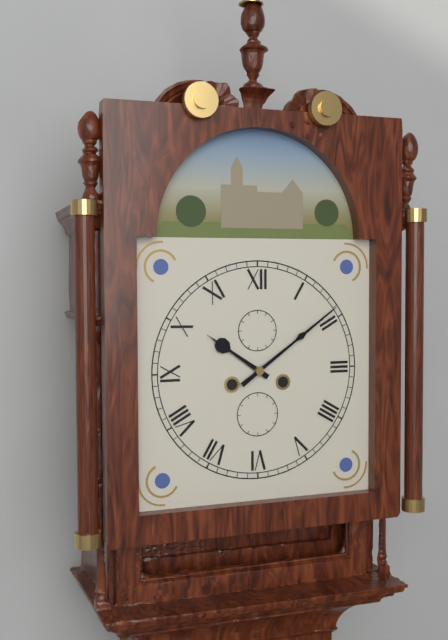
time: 10:09
